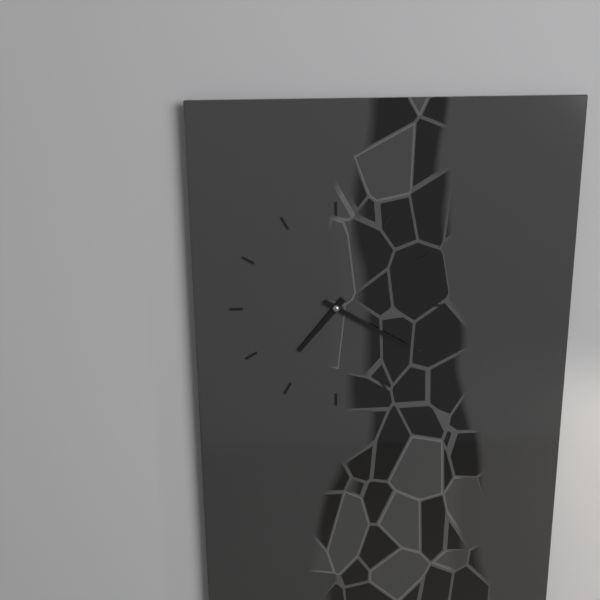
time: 7:20
